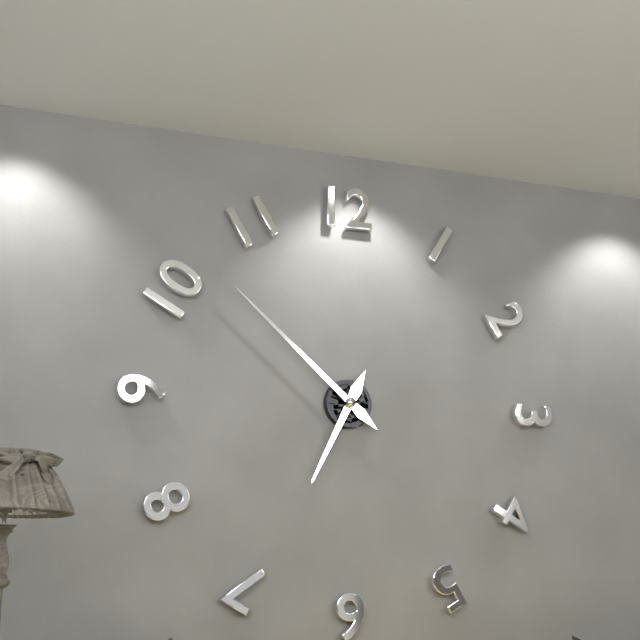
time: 6:52
